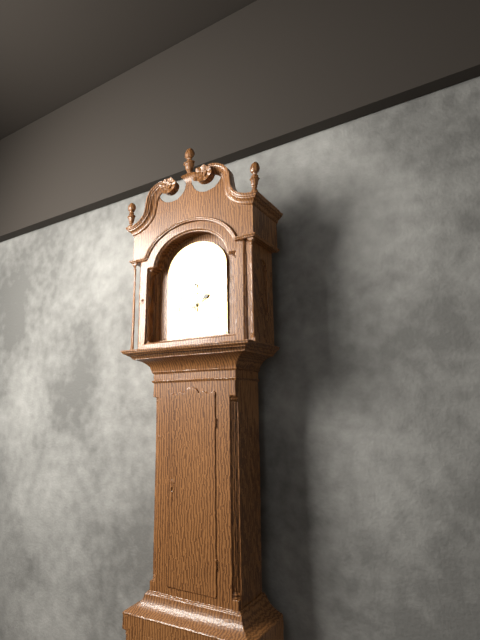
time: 2:00
